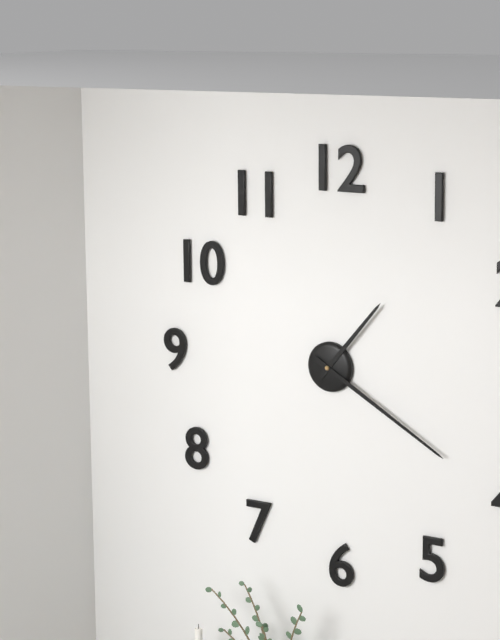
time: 1:20
